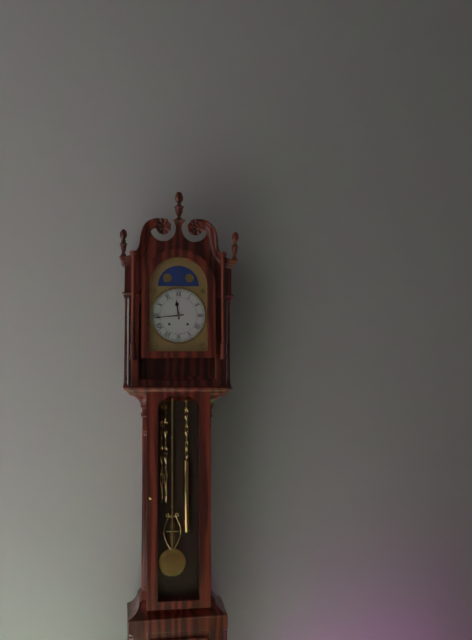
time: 11:44
